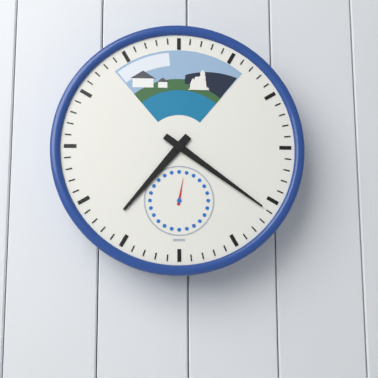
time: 7:21
